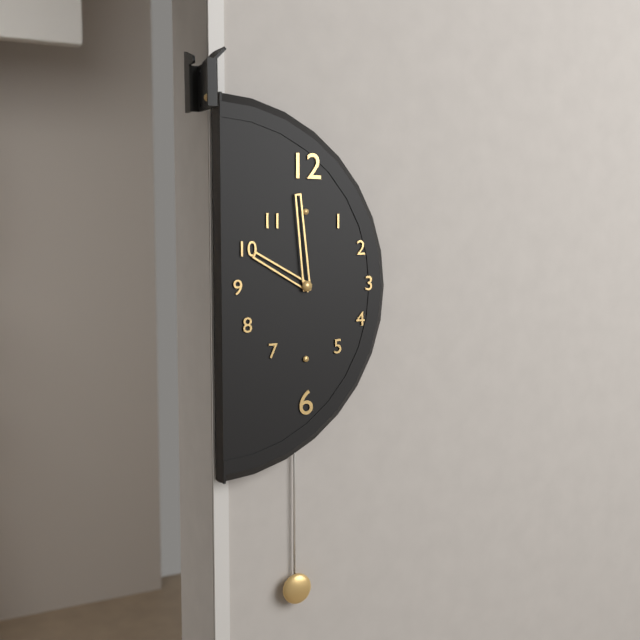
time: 9:59
